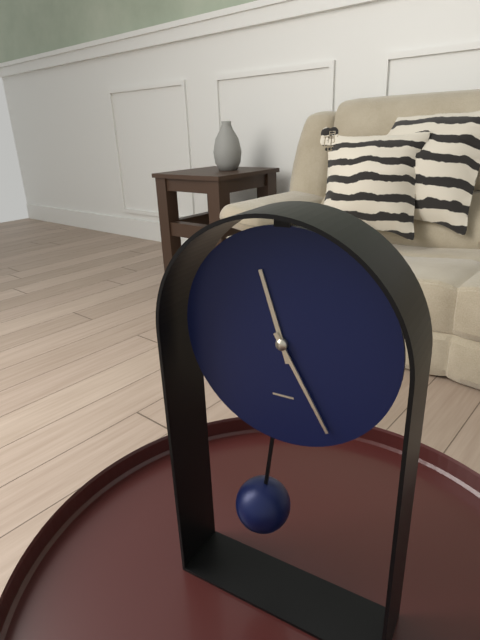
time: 11:25
